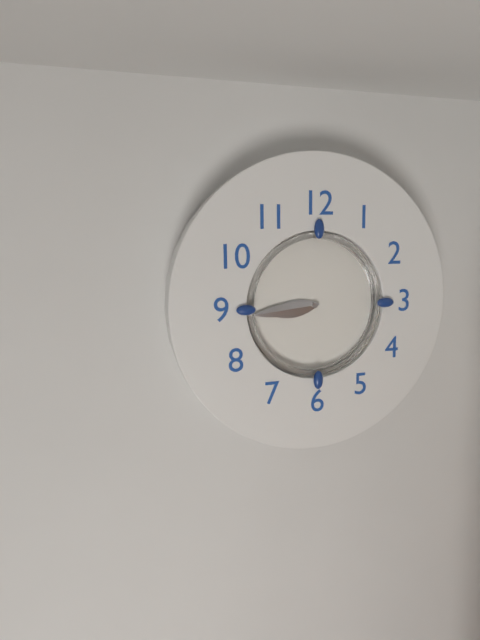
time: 8:44
